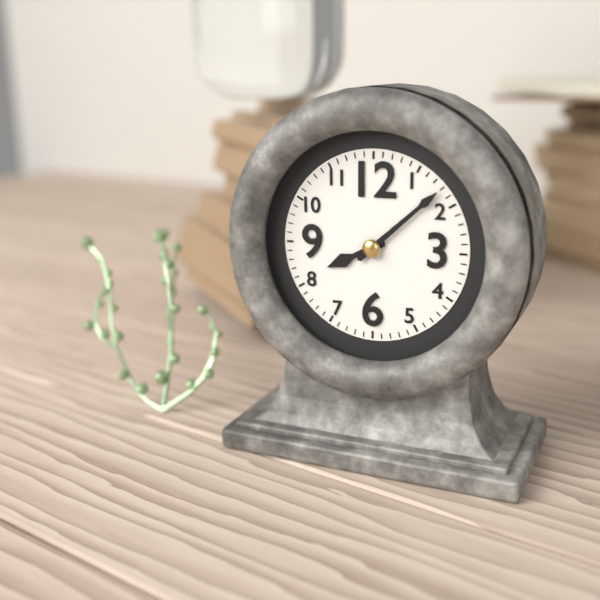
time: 8:08
